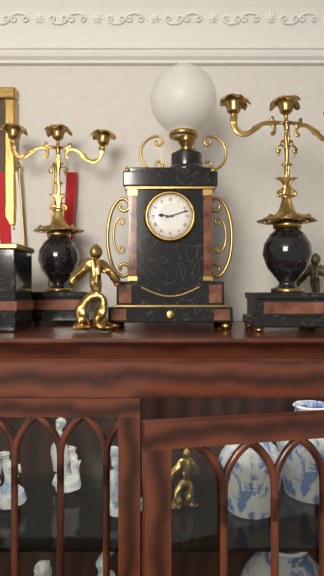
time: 9:12
